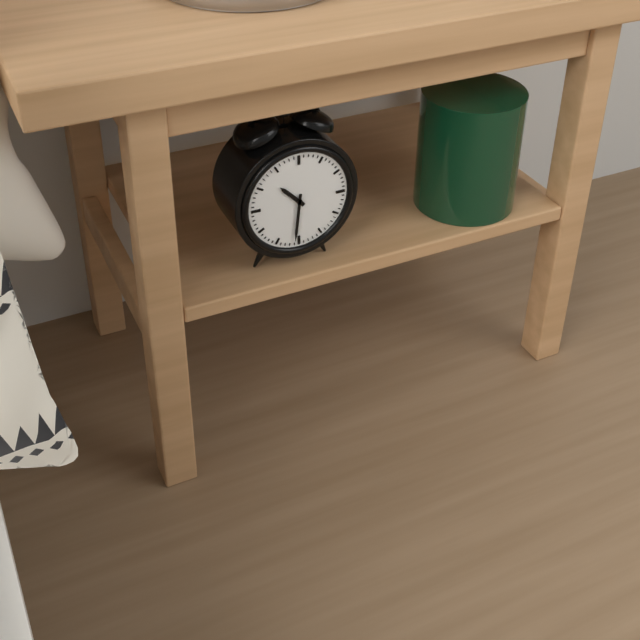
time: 10:31
